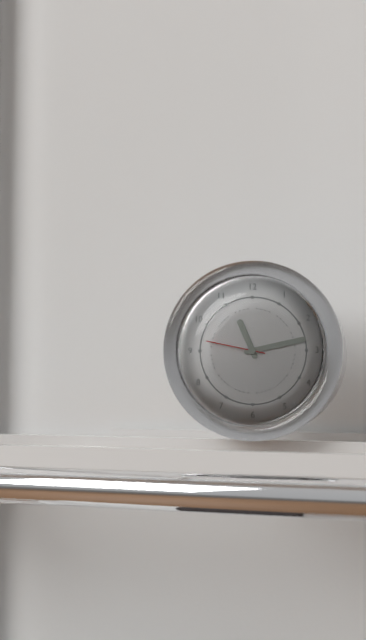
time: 11:13:47
